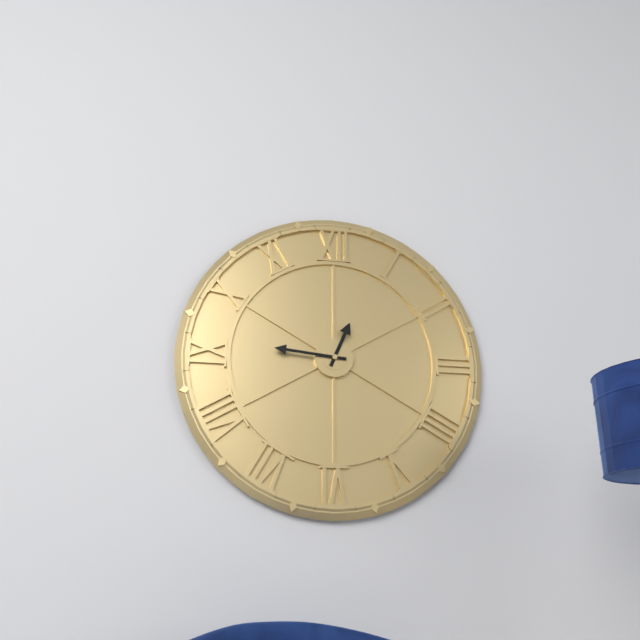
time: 12:46
